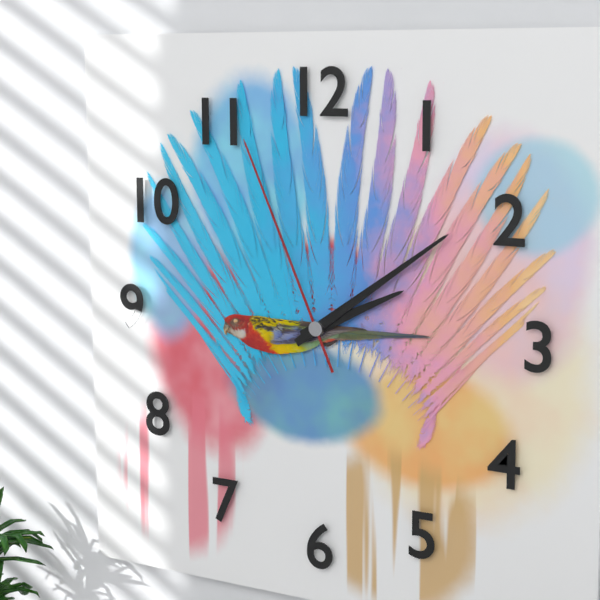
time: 2:09:56
